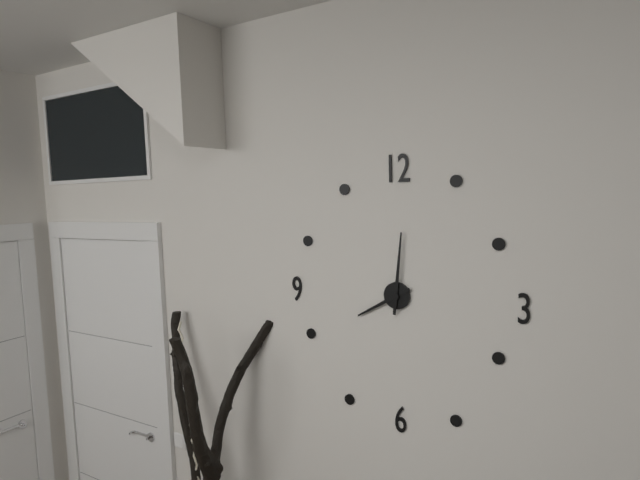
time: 8:01
